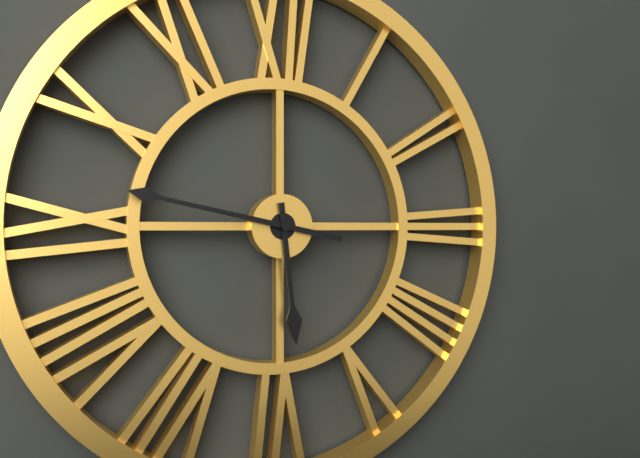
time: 5:47
